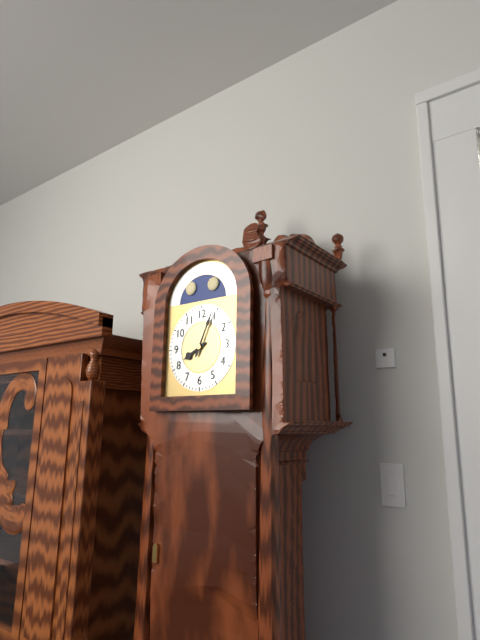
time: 8:04
